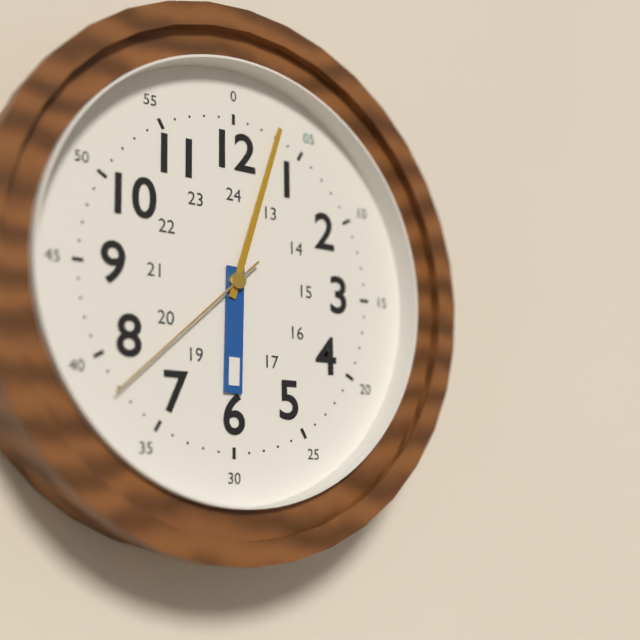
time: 6:03:38
